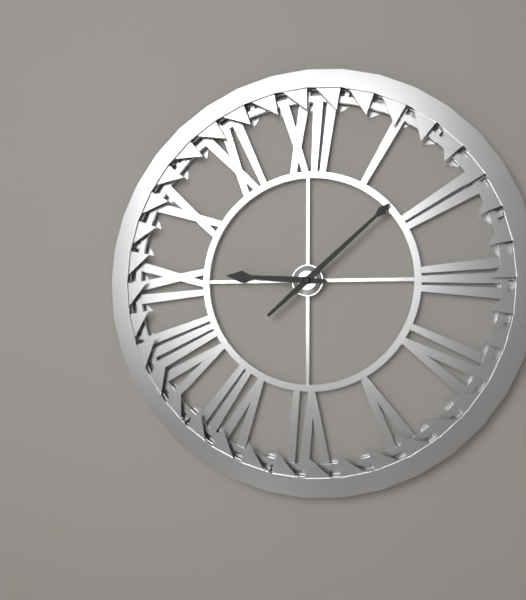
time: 9:08
